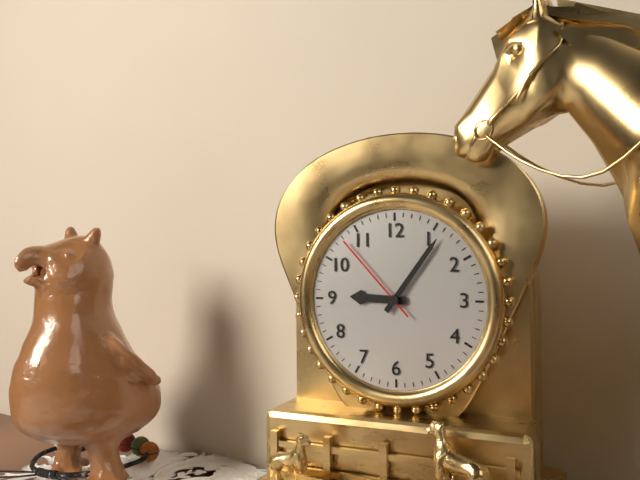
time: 9:06:53
